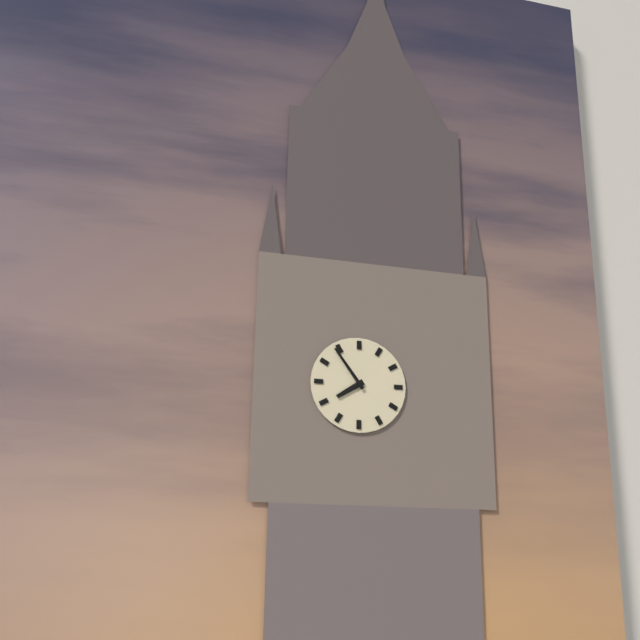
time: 7:54
